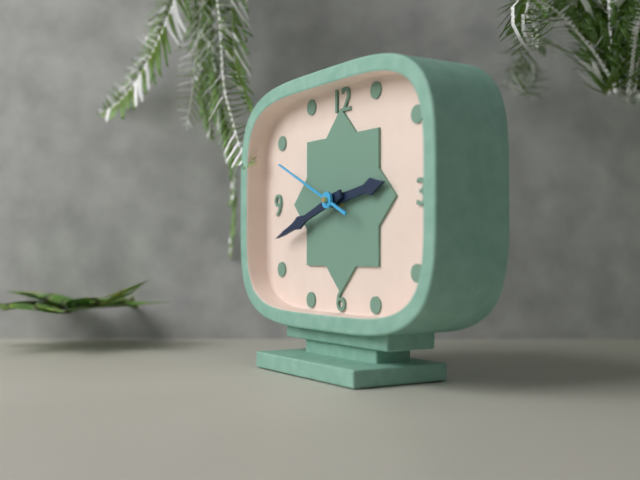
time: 2:42:49
